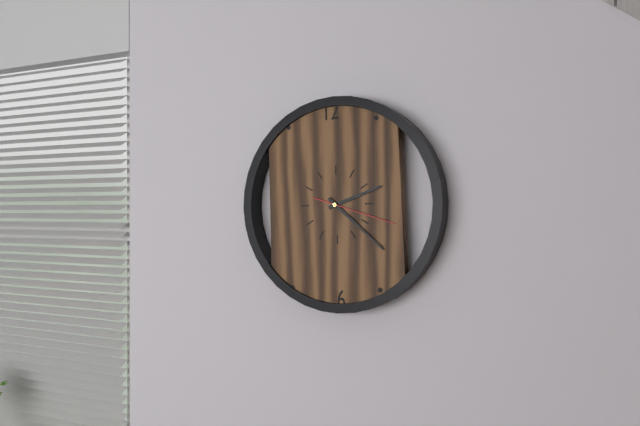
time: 2:22:18
